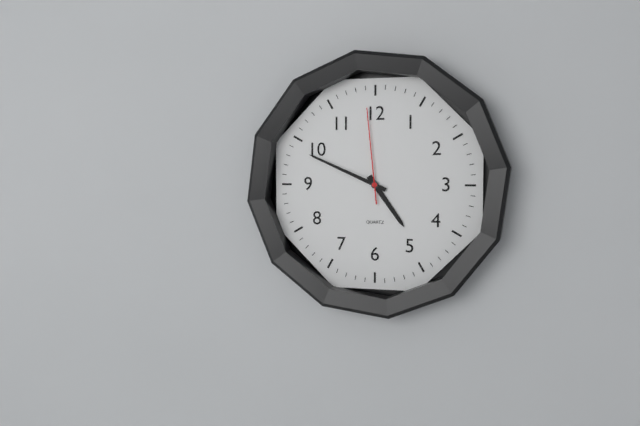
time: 4:49:59
